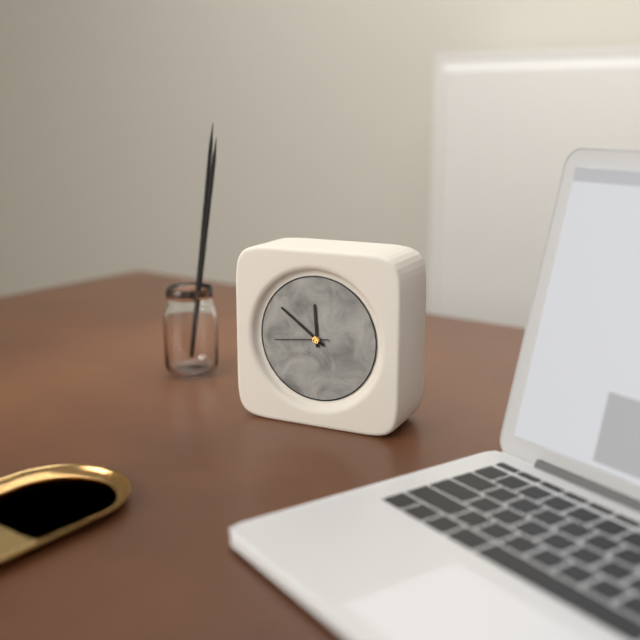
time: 11:51:44
